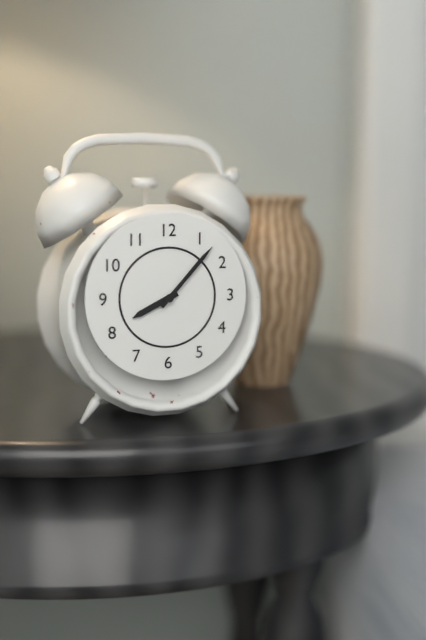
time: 8:07
